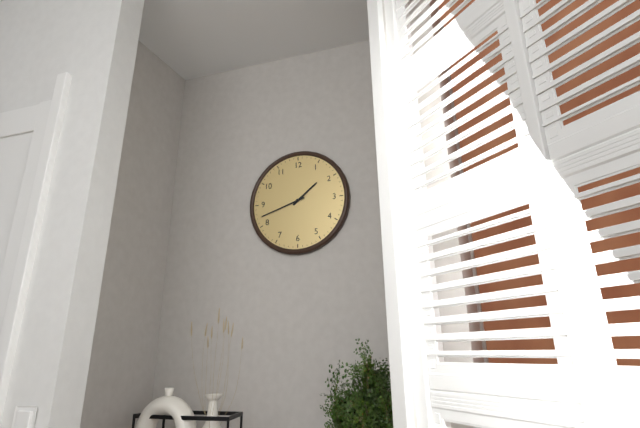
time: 1:42
